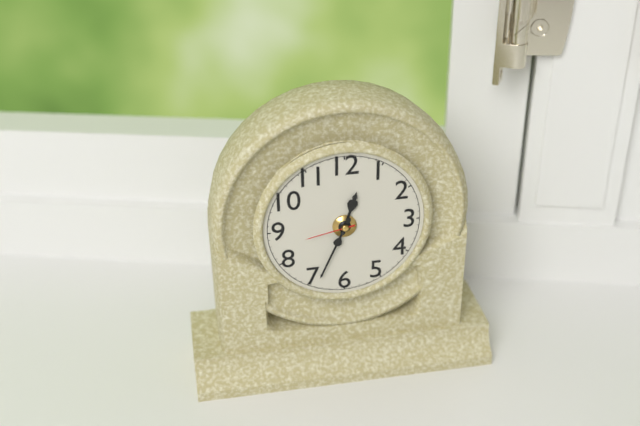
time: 12:34:43
